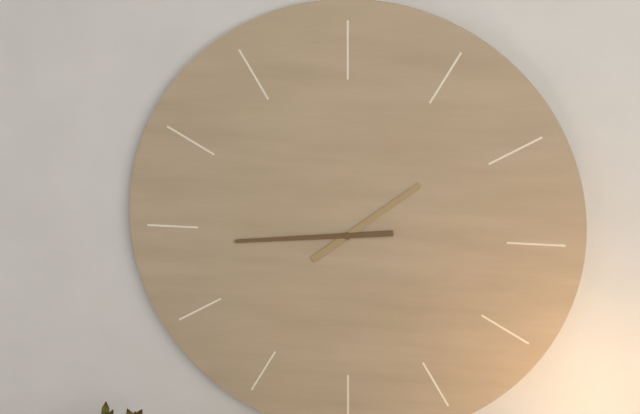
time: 1:44
